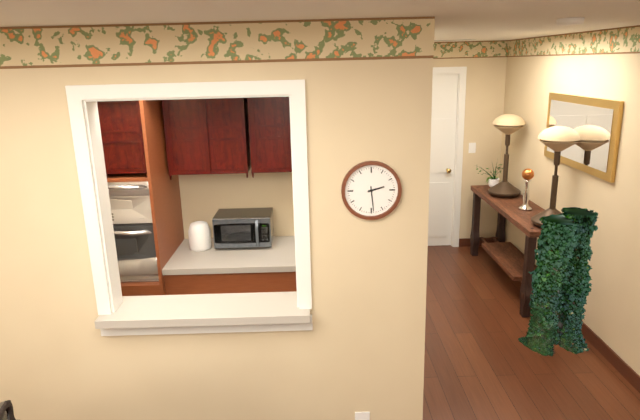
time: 2:29
